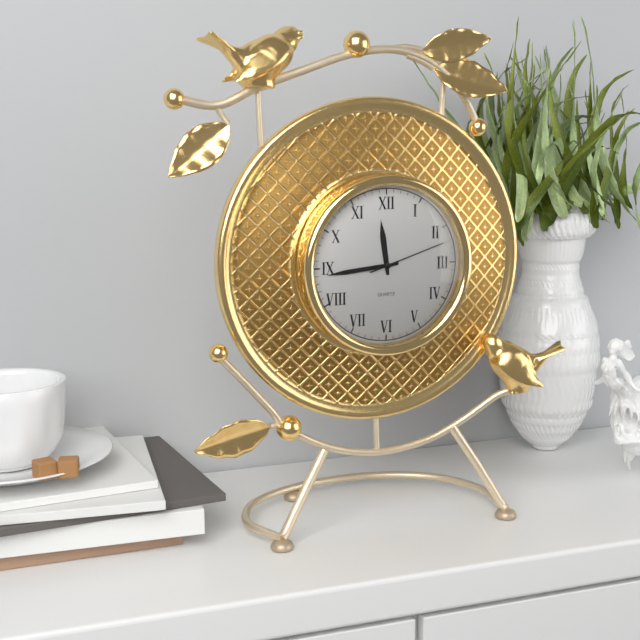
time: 11:44:12
